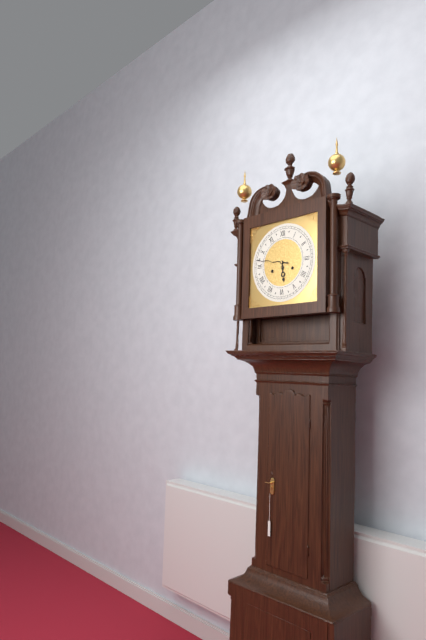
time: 5:47
